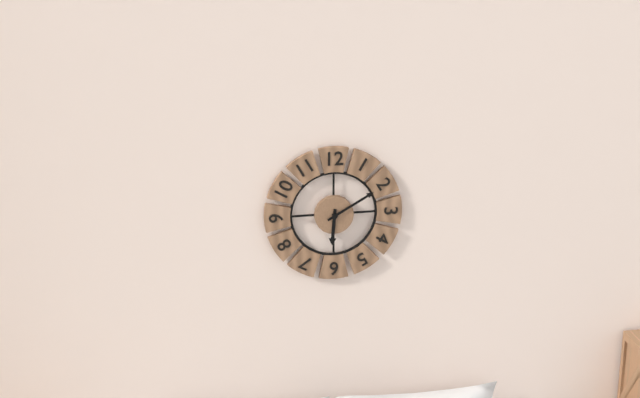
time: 6:10
